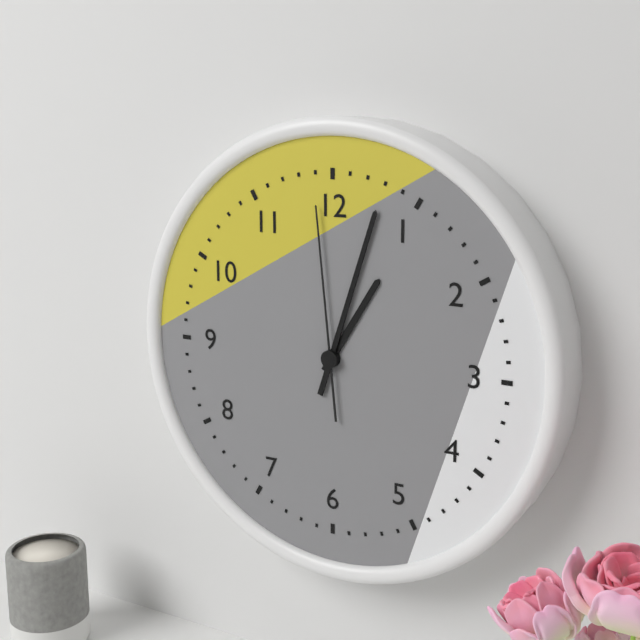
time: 1:03:59
